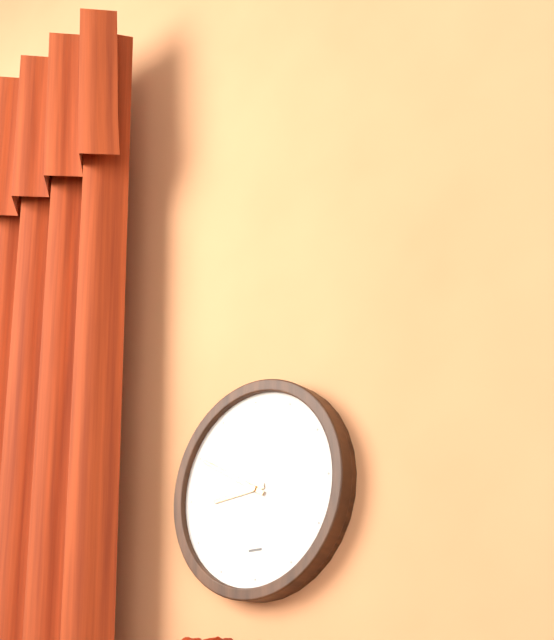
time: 8:50
